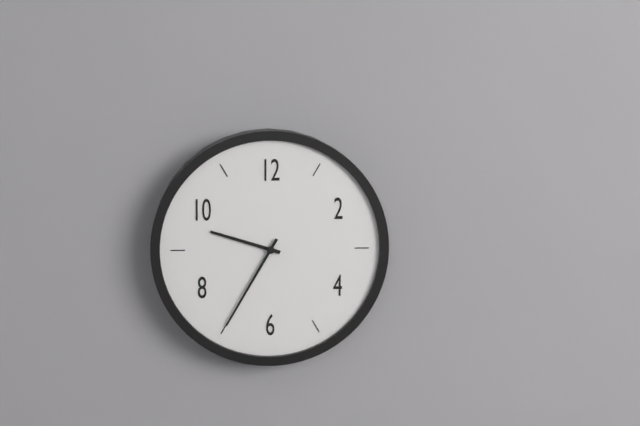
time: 9:35
